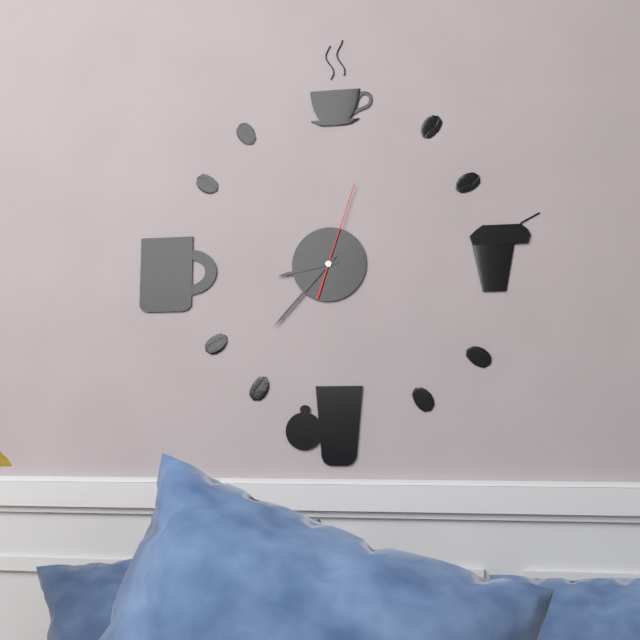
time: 8:37:03
